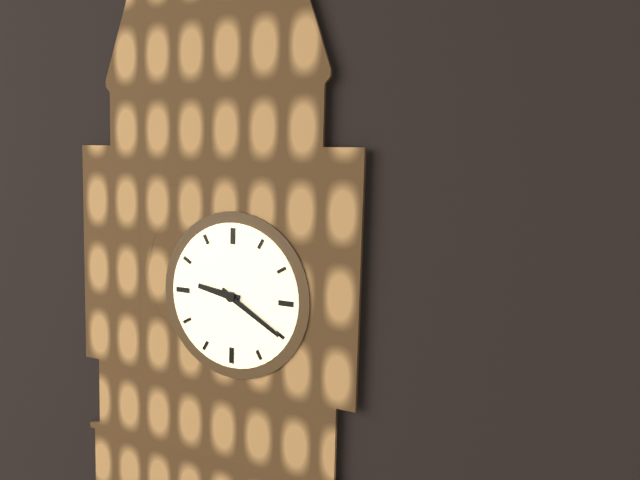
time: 9:20
